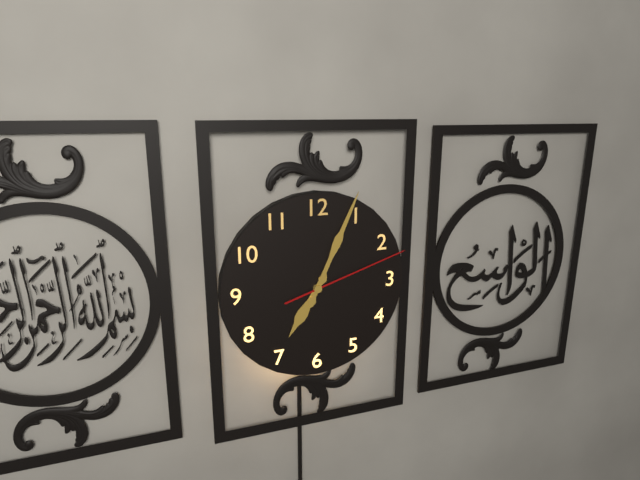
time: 7:04:12
